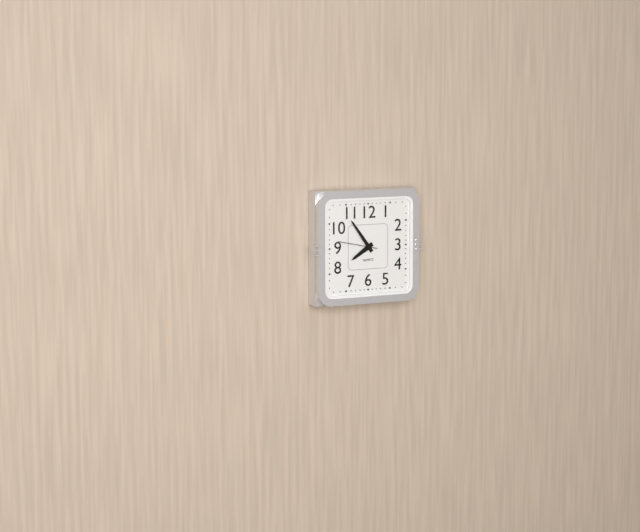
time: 7:54
